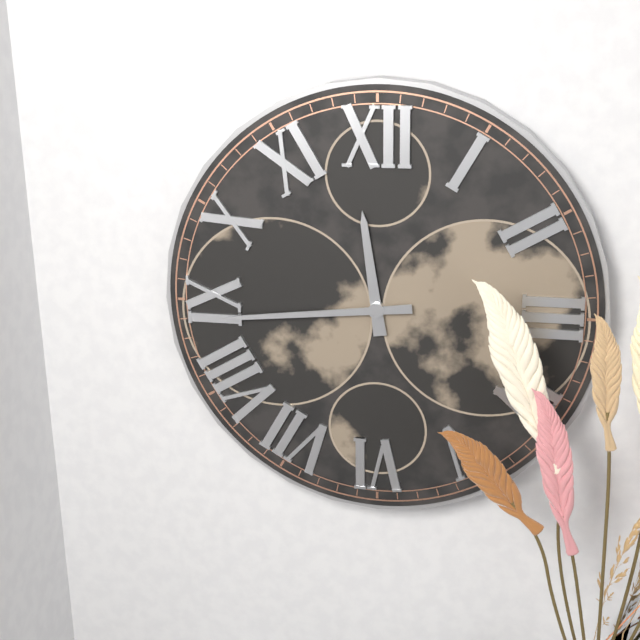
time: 11:44
